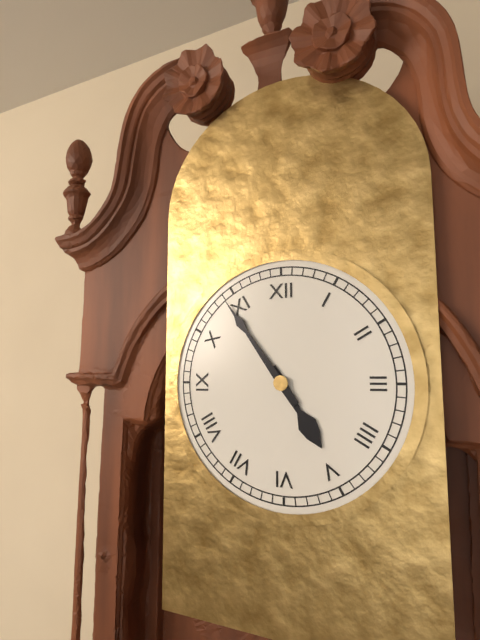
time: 4:54
